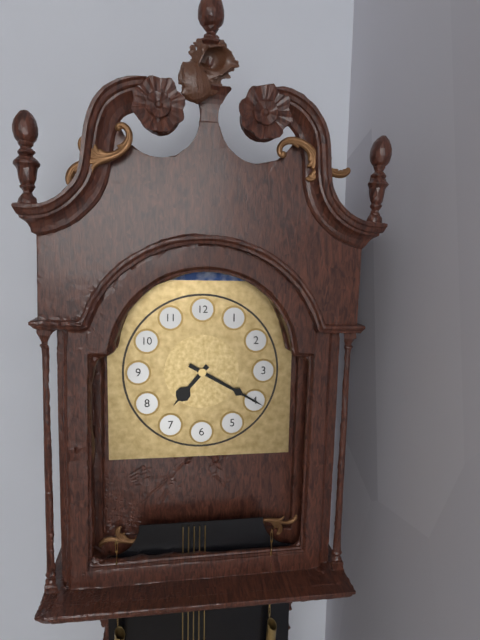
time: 7:20
